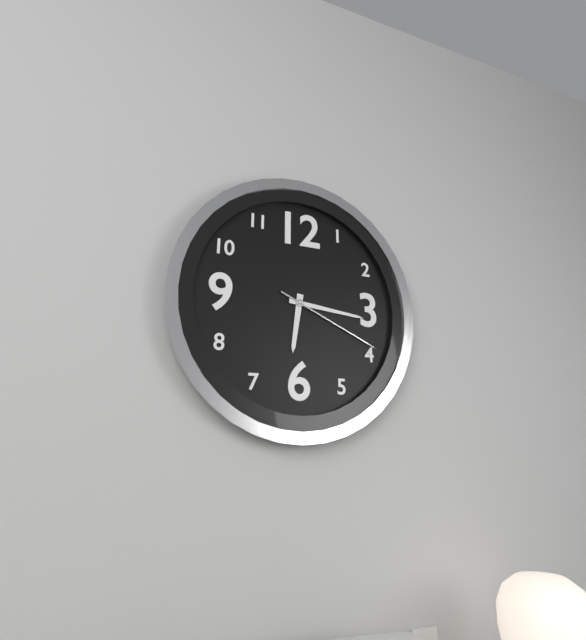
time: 6:16:19
